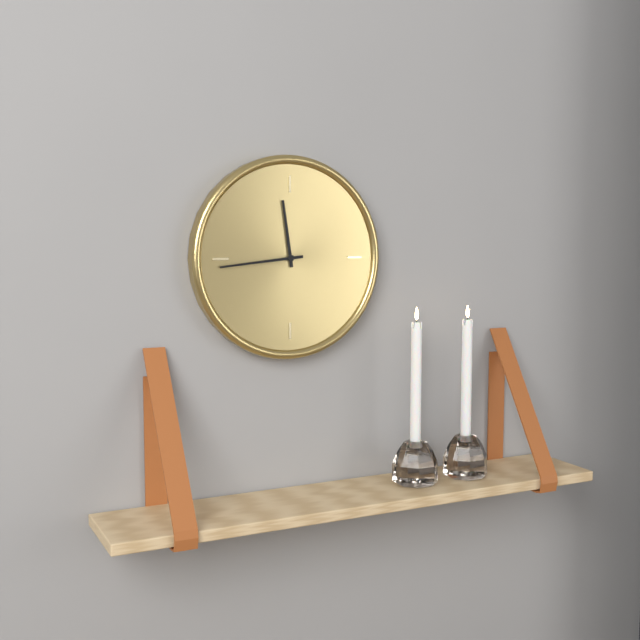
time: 11:44
